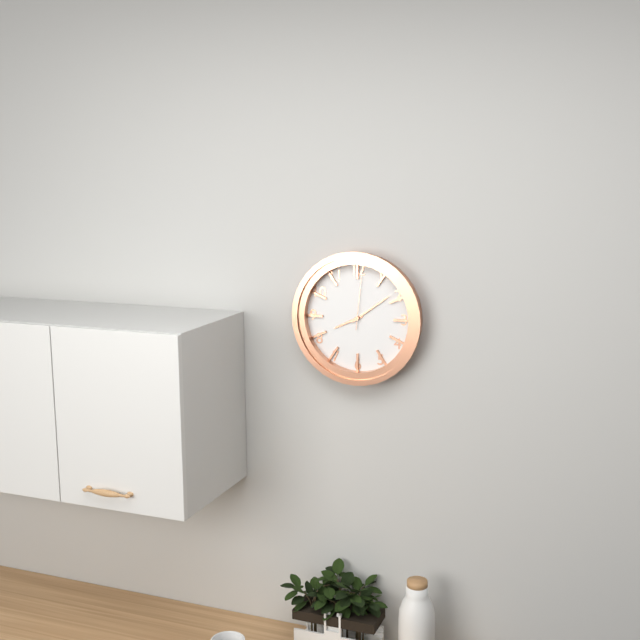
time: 8:09:01
